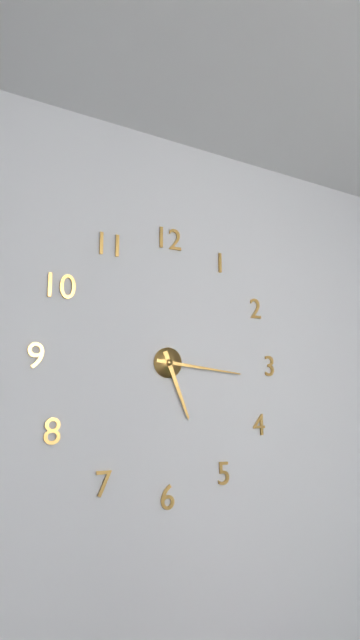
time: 5:16
